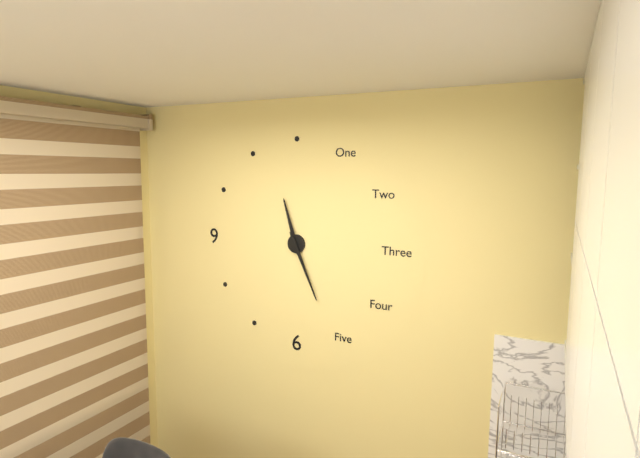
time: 11:26
